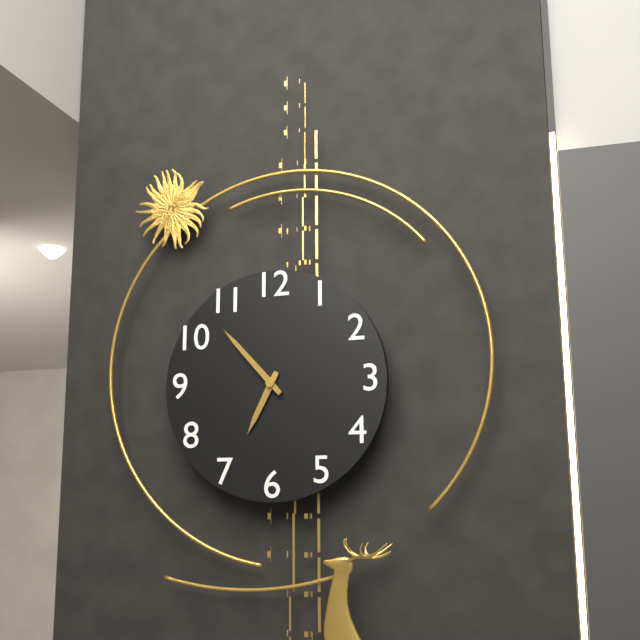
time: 6:53
